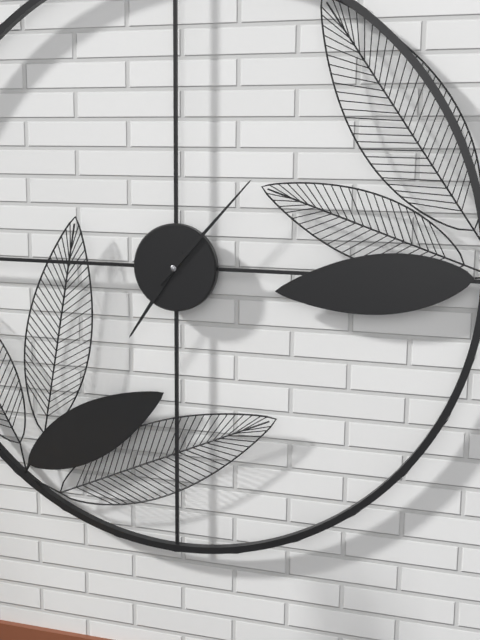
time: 7:07
